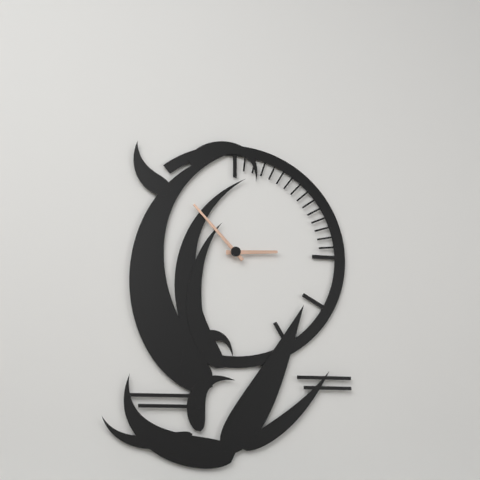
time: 2:53
